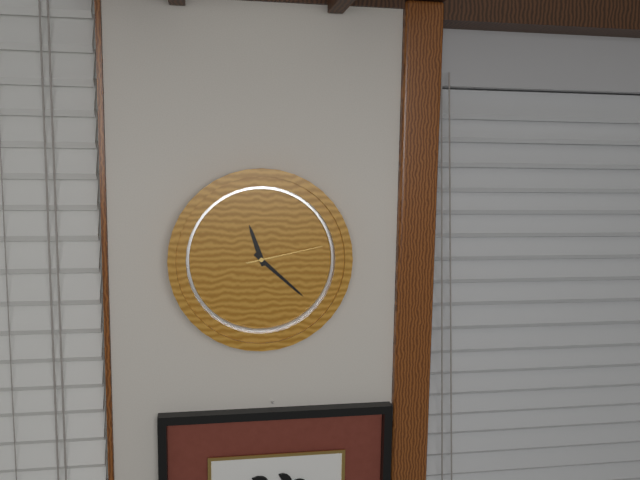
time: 11:22:13
